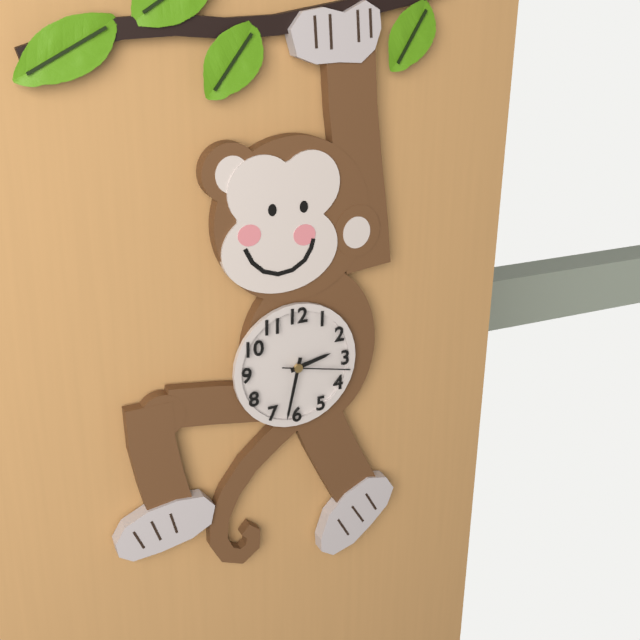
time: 2:32:17
